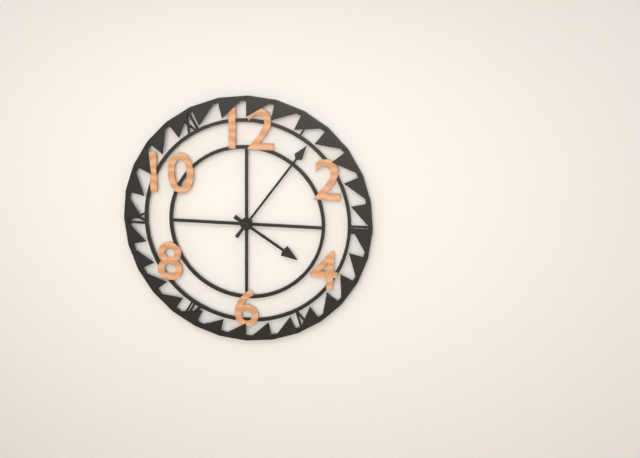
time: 4:06
